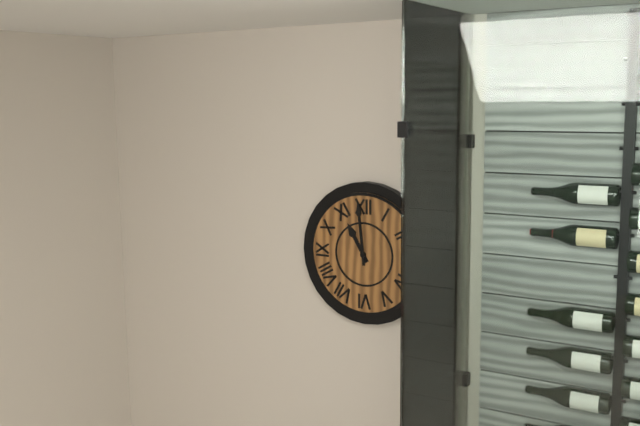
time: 10:59
